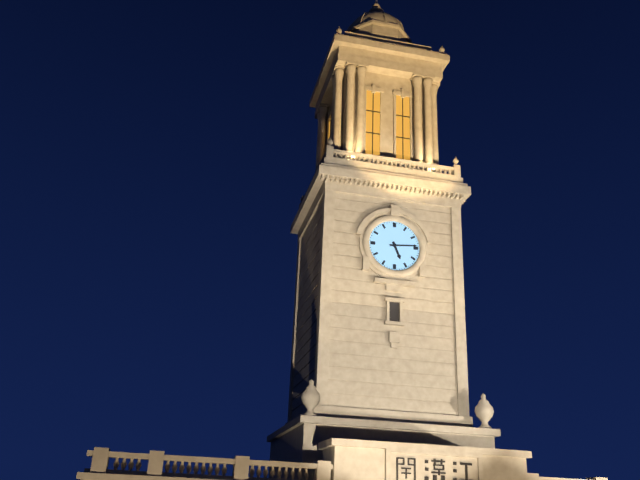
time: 5:14
